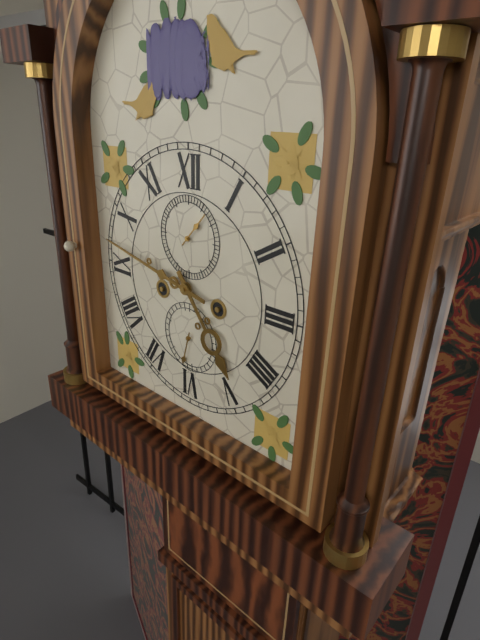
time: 4:47
